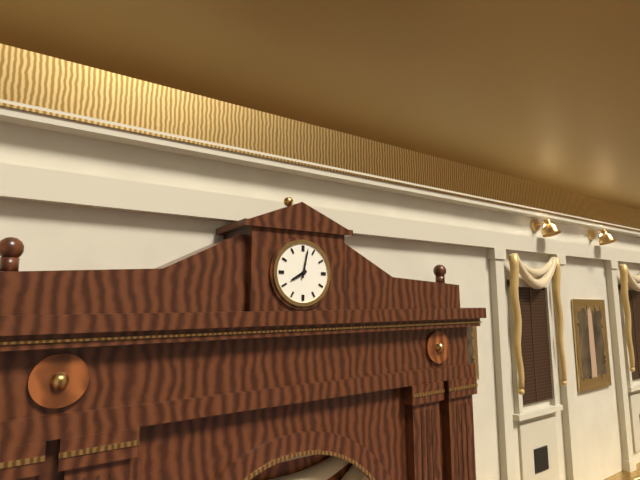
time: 8:02
